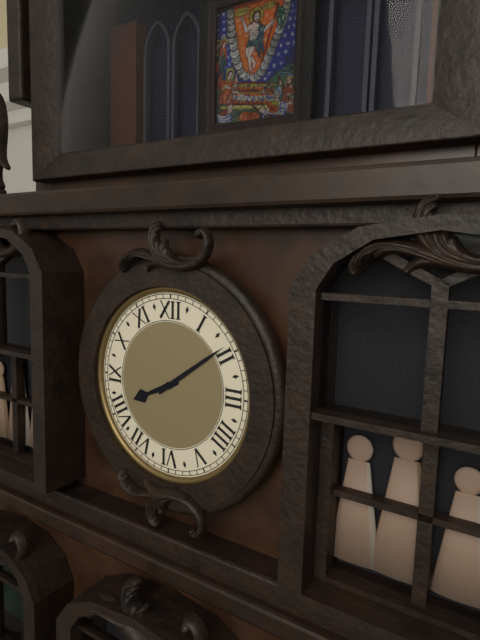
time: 8:09
